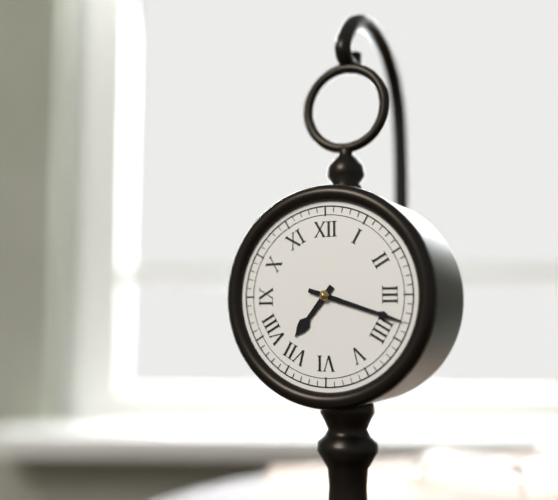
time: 7:18
